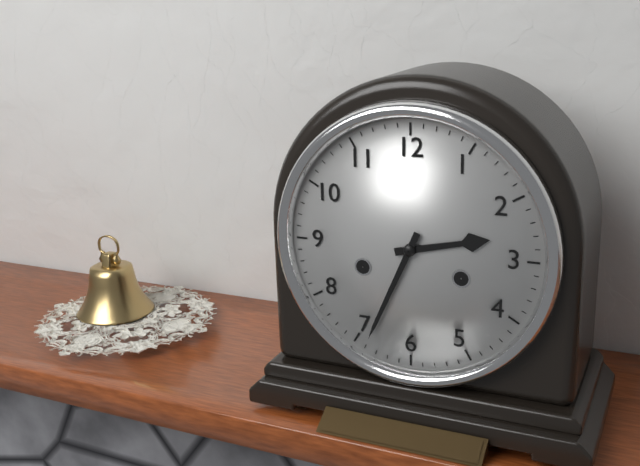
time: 2:34
